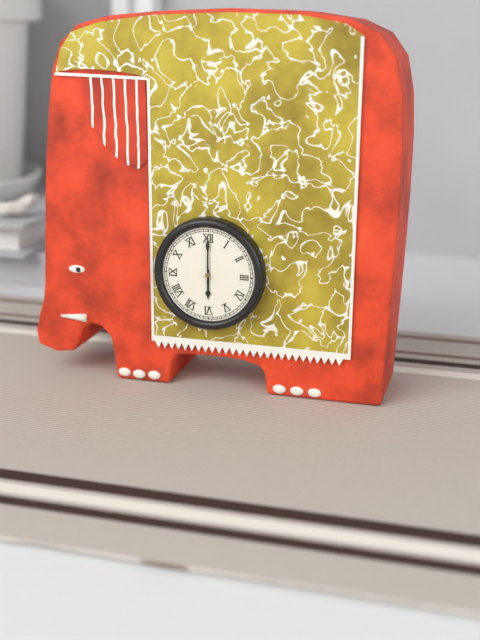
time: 6:00
